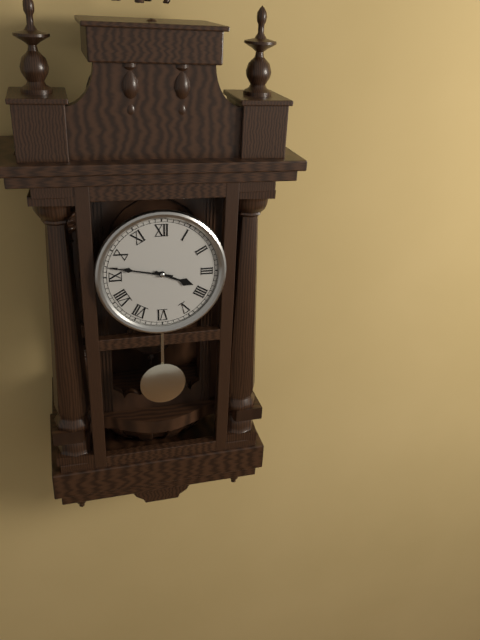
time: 3:47
